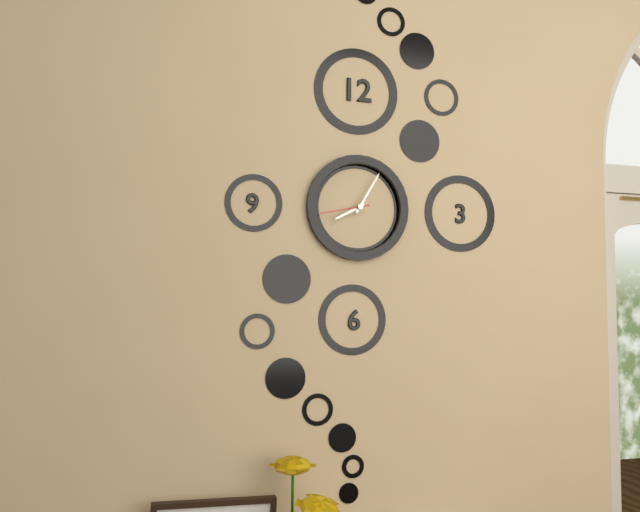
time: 8:05:43
